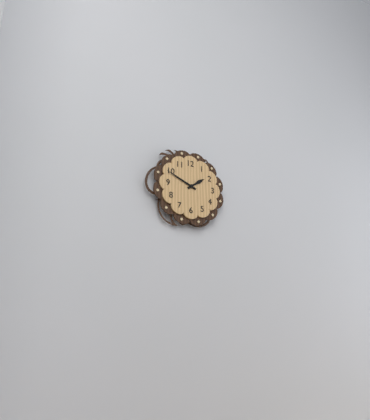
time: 1:49
